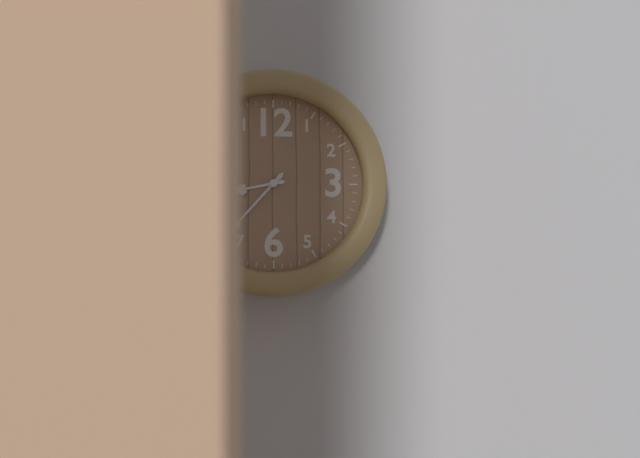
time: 8:37
